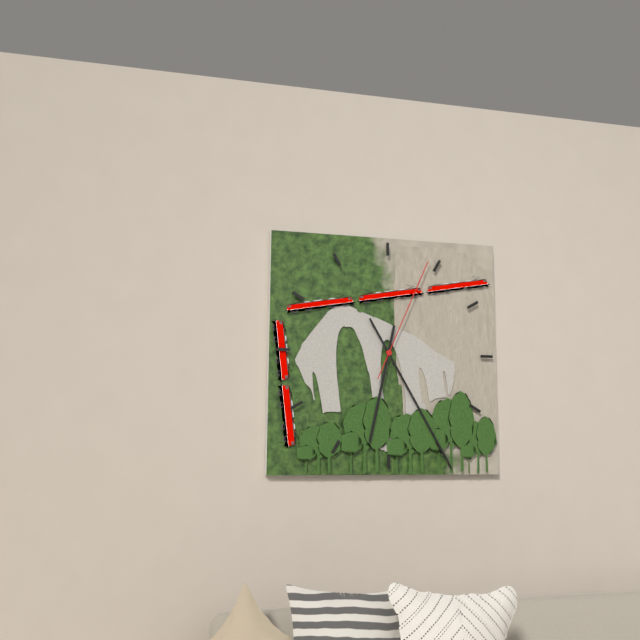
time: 6:25:04
